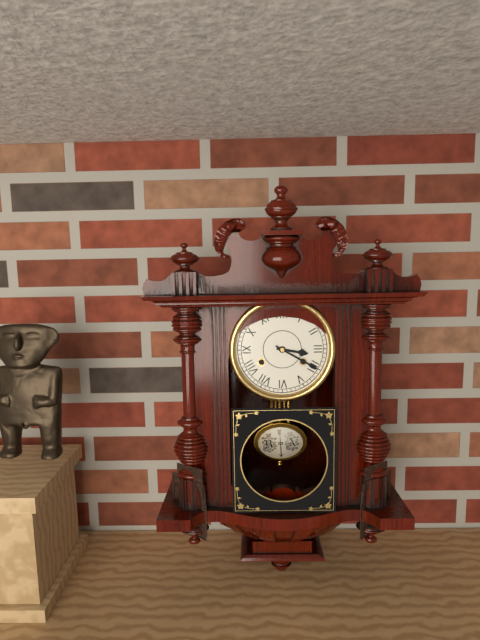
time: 3:20
